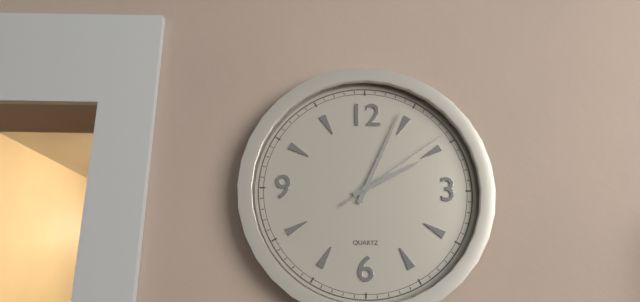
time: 2:04:09
